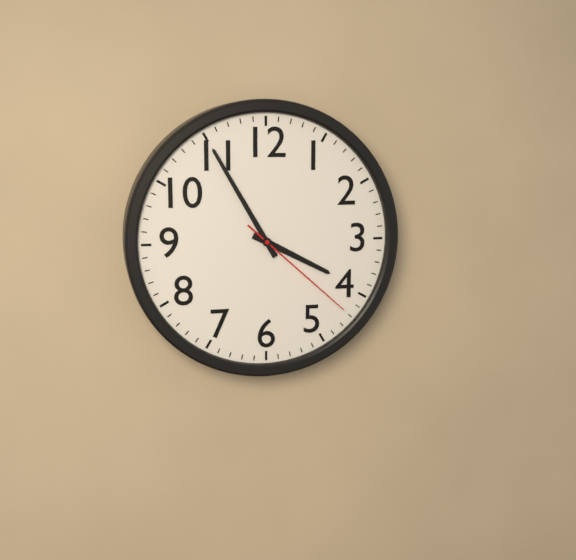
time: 3:55:22
